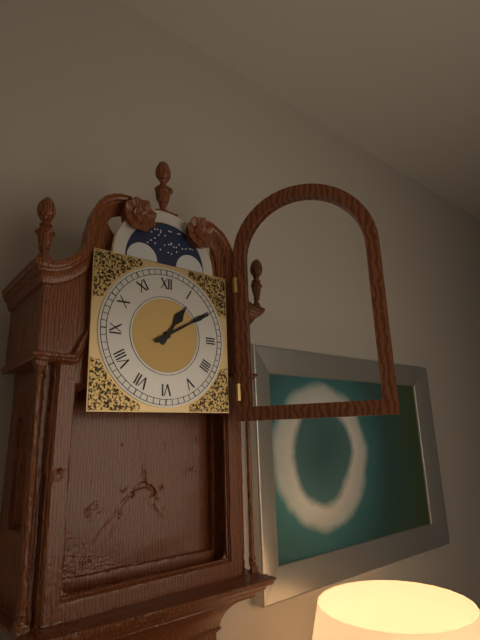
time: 1:10
